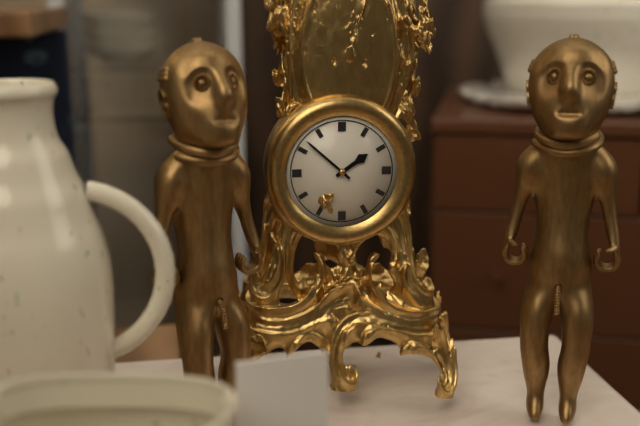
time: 1:52
